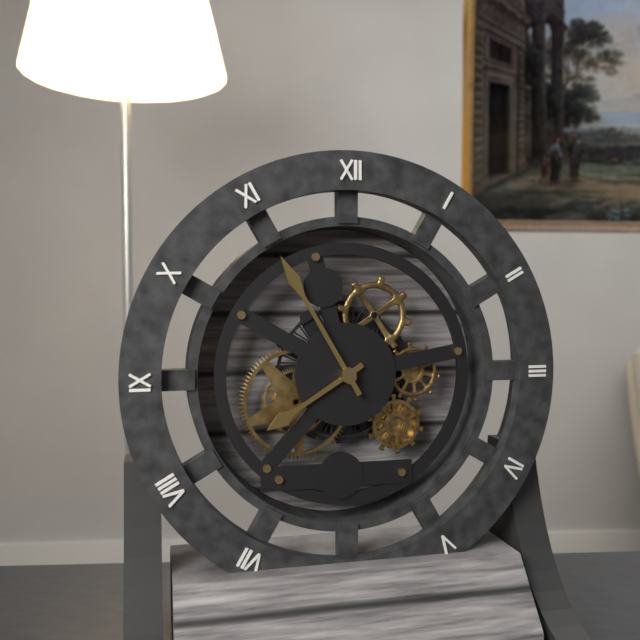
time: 7:55
